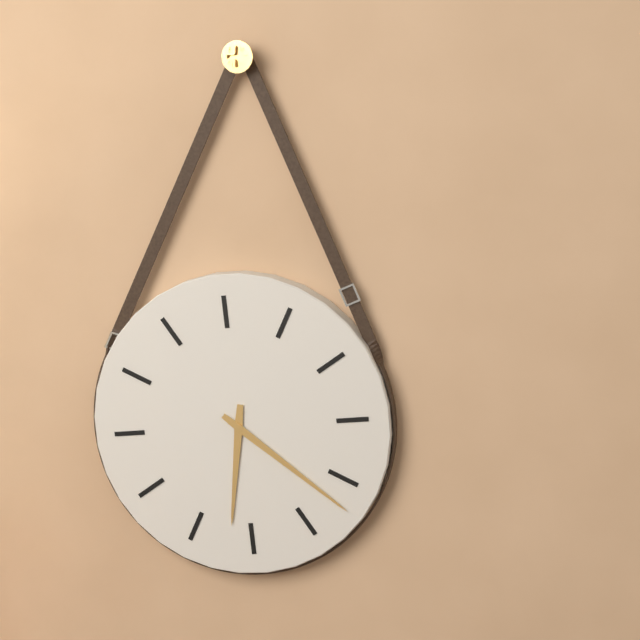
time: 6:22
